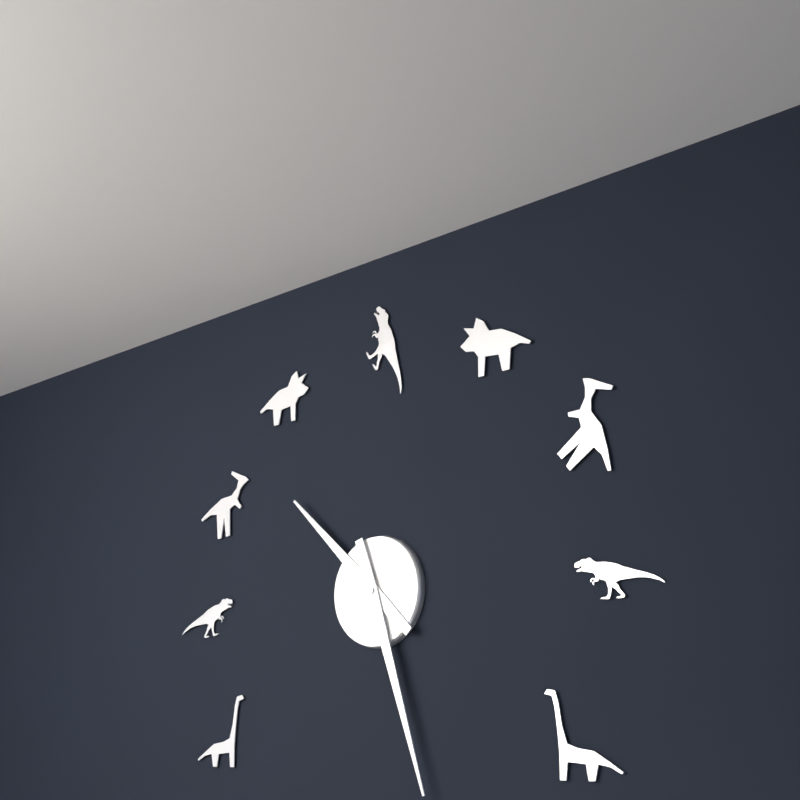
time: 10:27
